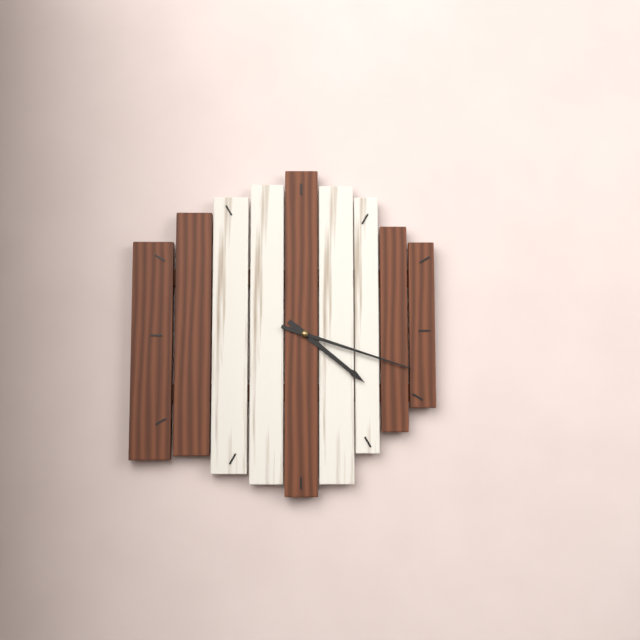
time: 4:18
